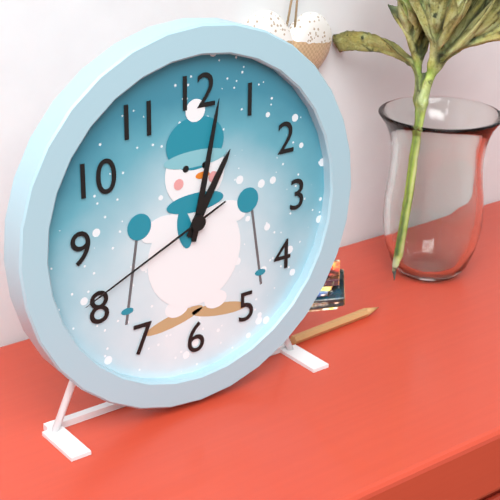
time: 1:02:41
